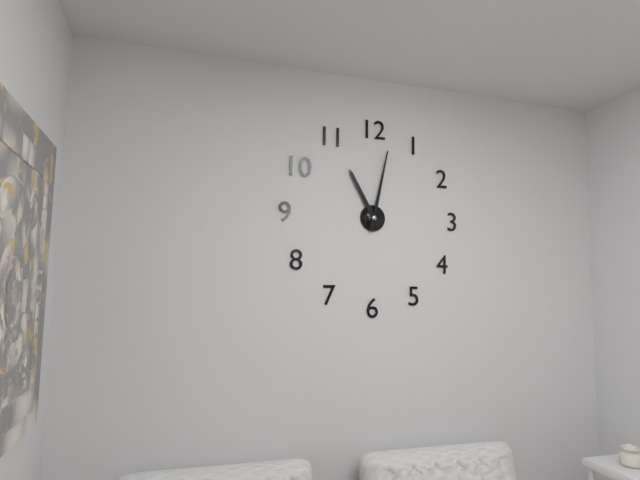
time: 11:02
